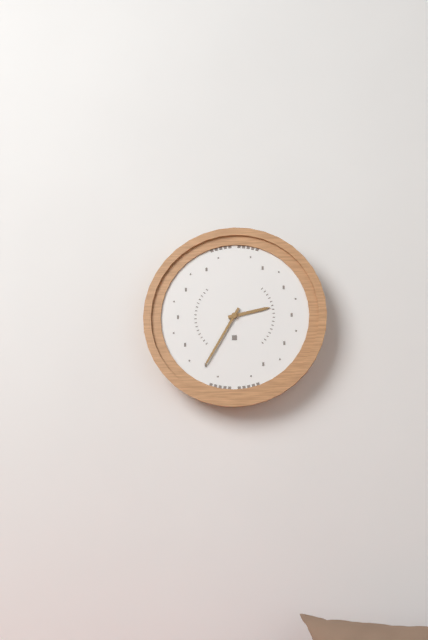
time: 2:35
